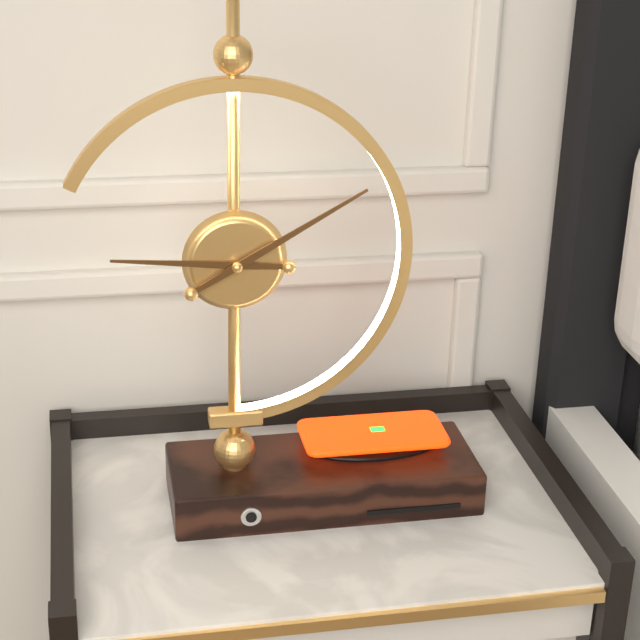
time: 9:10
